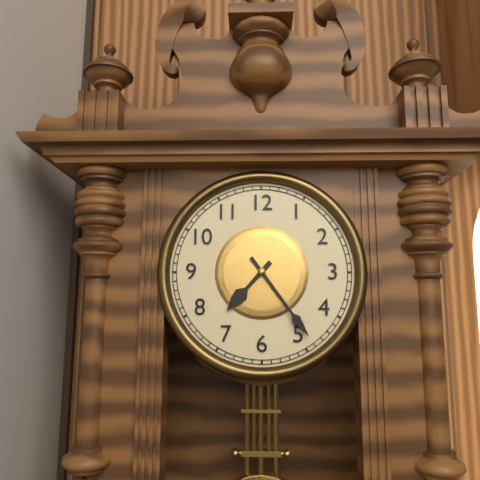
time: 7:24
